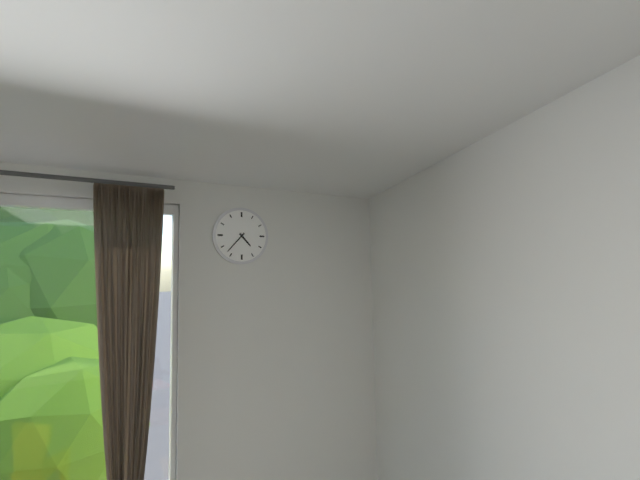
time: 4:37
